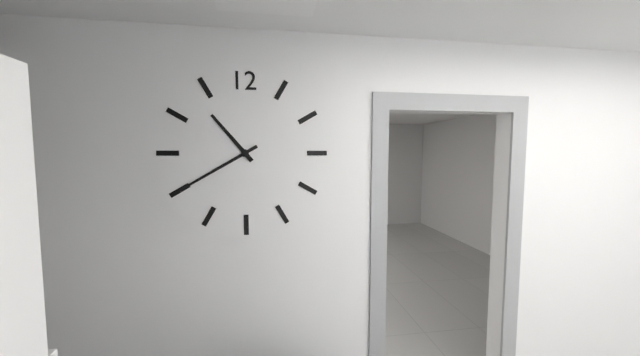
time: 10:40
